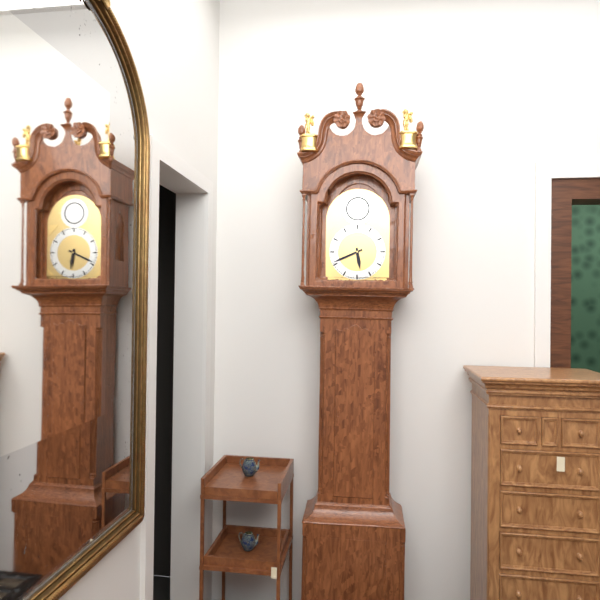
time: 5:41
